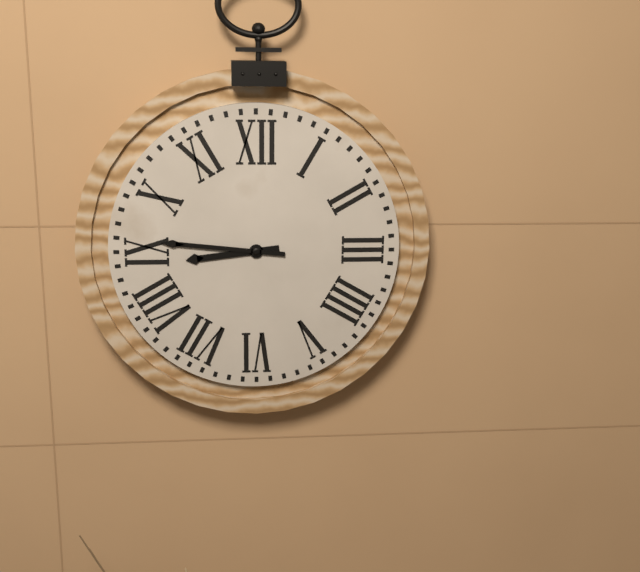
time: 8:46
